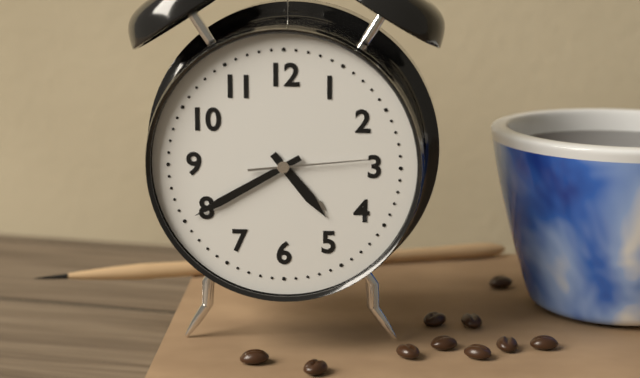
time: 4:40:14
